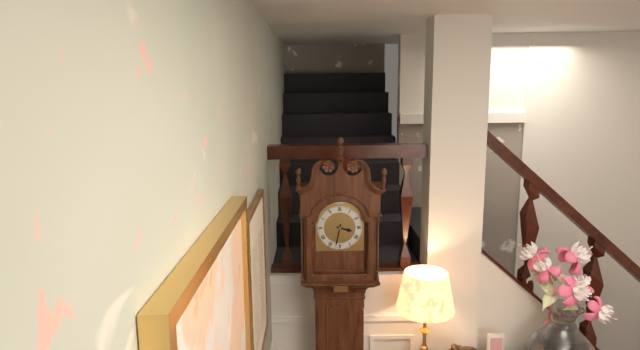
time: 3:32
